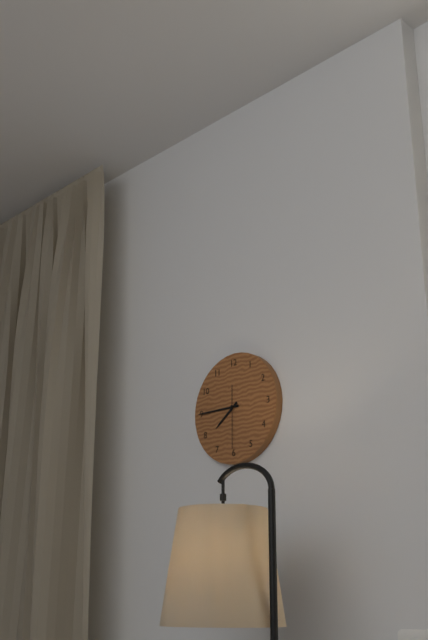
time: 7:45:30
